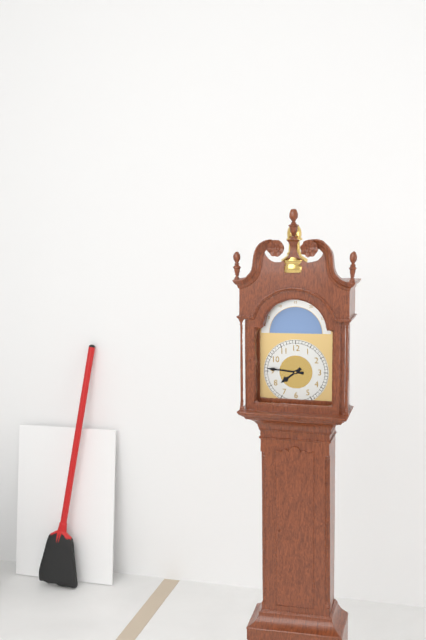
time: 7:46
